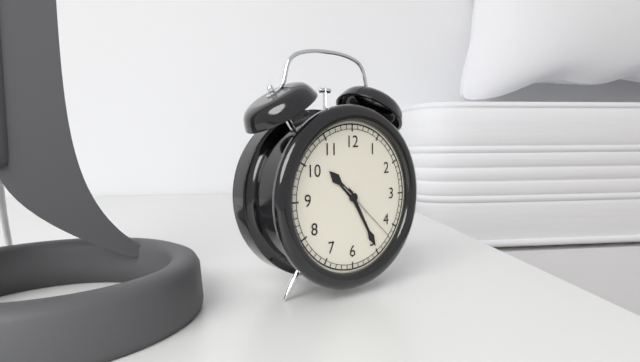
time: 10:25:22
